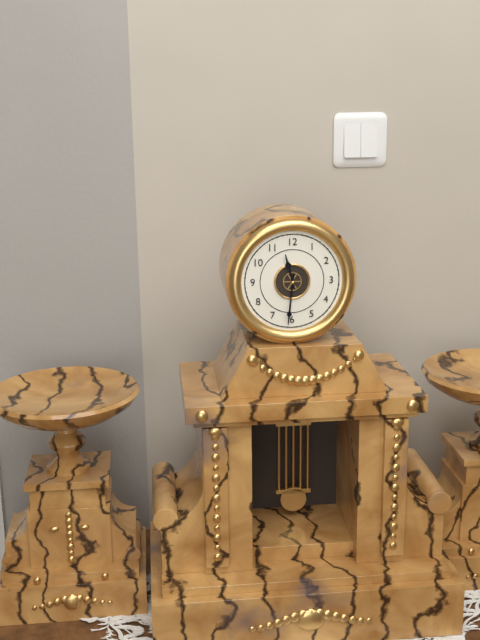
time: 11:31
